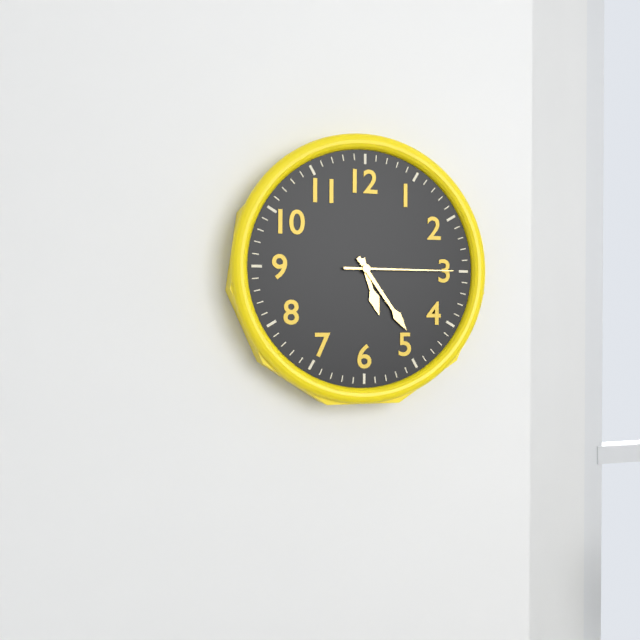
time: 5:24:15
